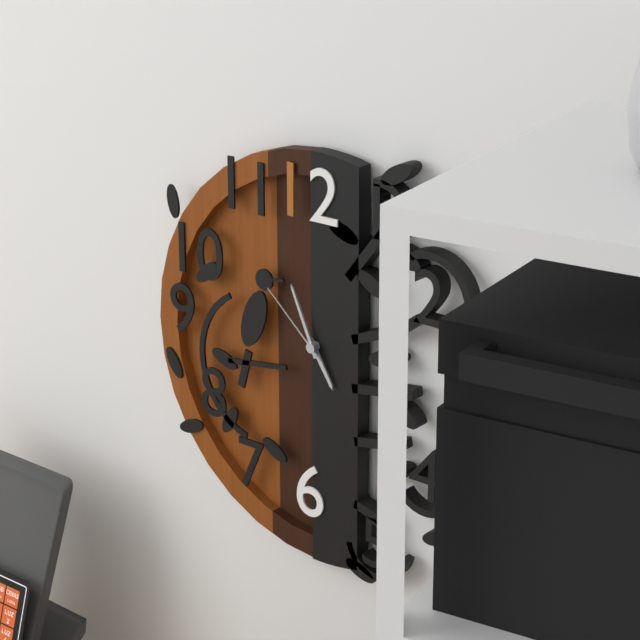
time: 4:56:52
